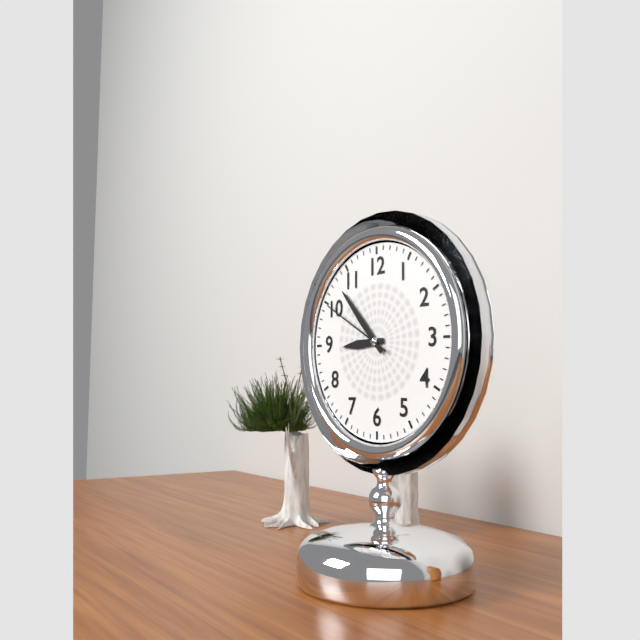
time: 8:53:50
